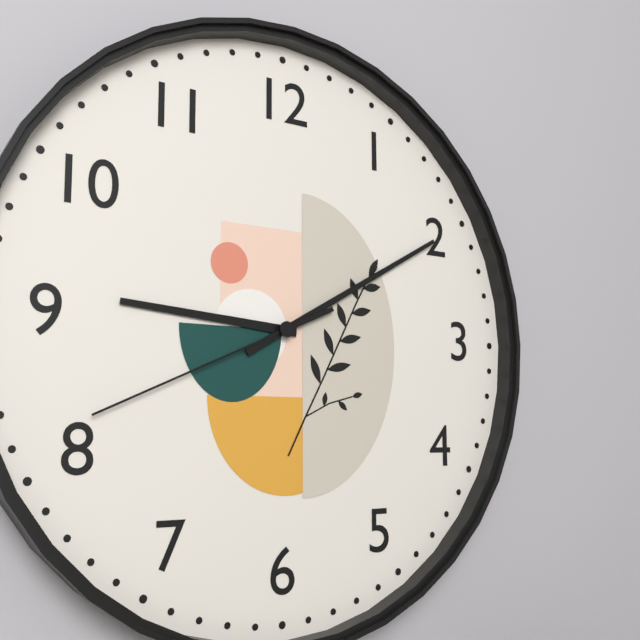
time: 9:10:41
